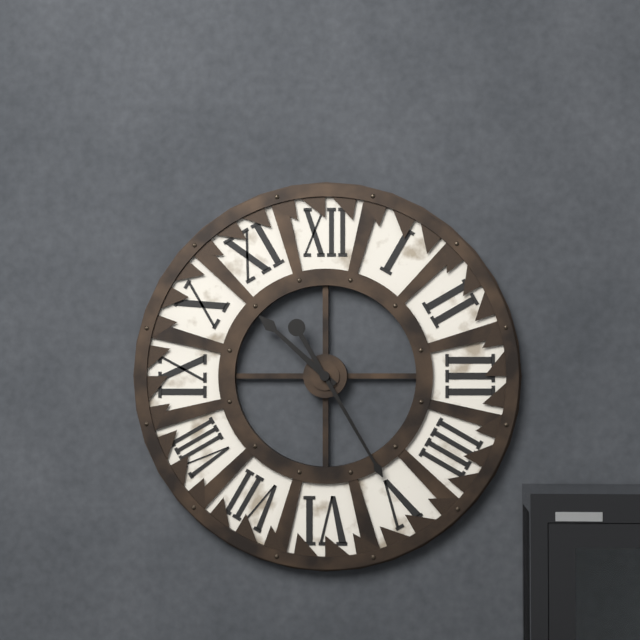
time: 10:25
